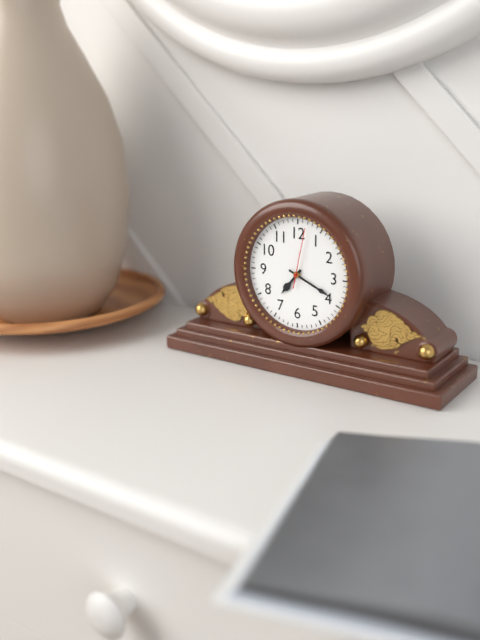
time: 7:19:02
